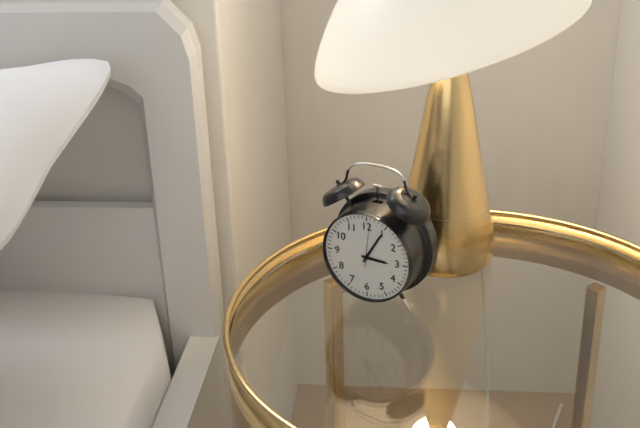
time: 3:05
